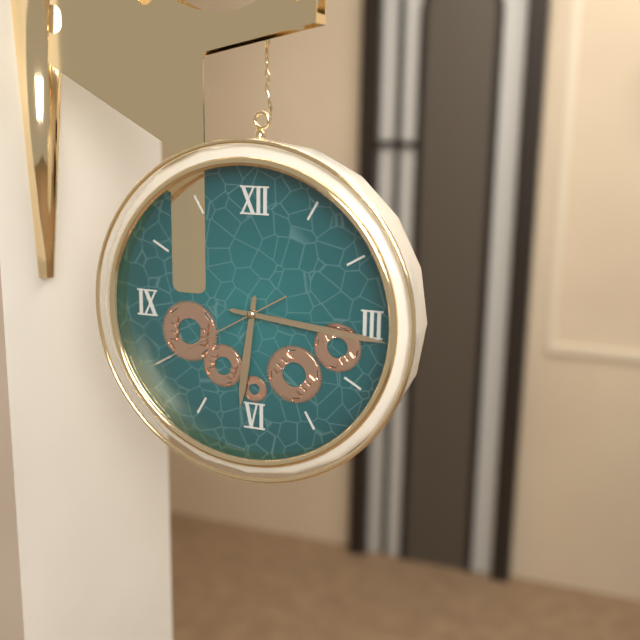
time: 6:16:40
